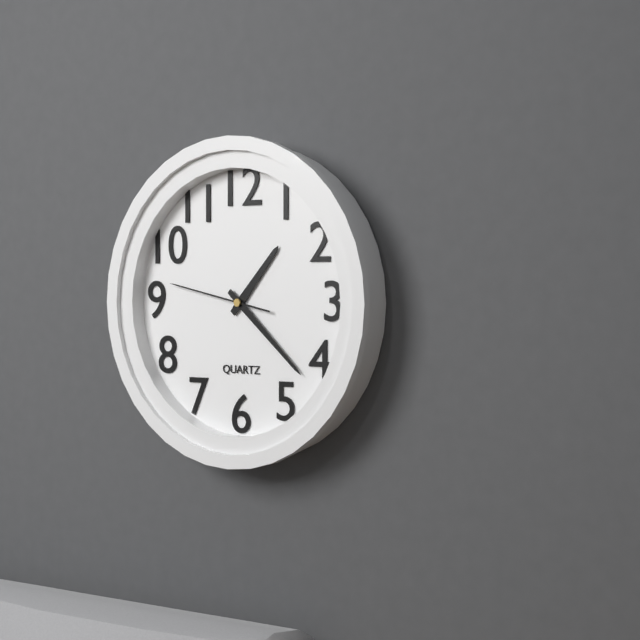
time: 1:22:47
